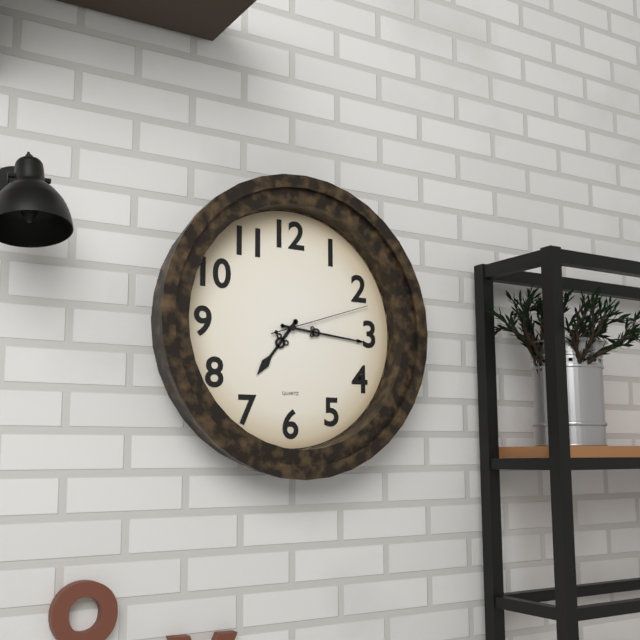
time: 7:16:12
